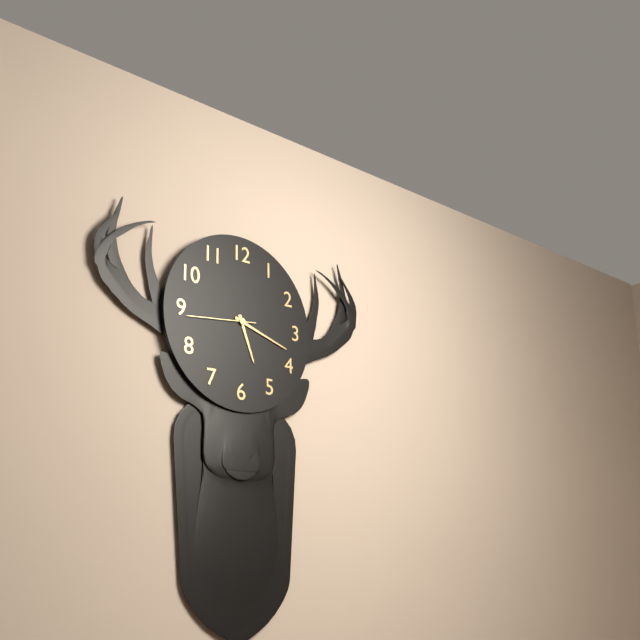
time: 5:18:44
